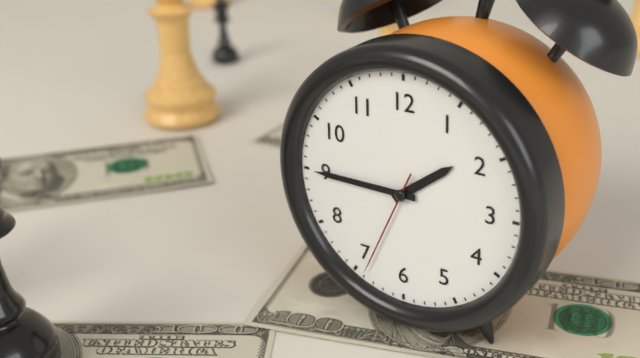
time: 1:45:34
